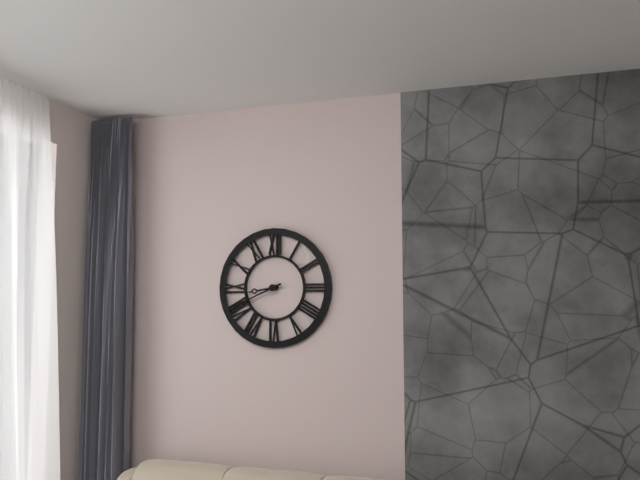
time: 8:41
